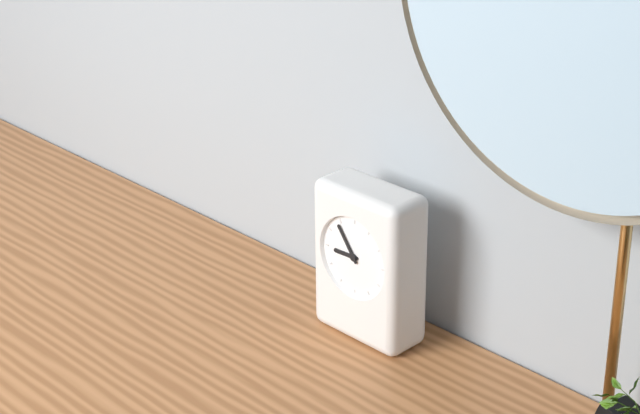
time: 8:54
